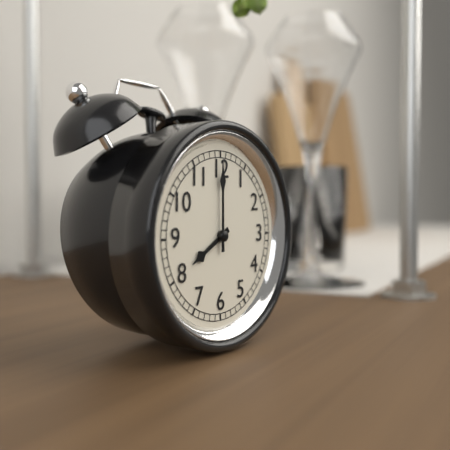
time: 8:00
